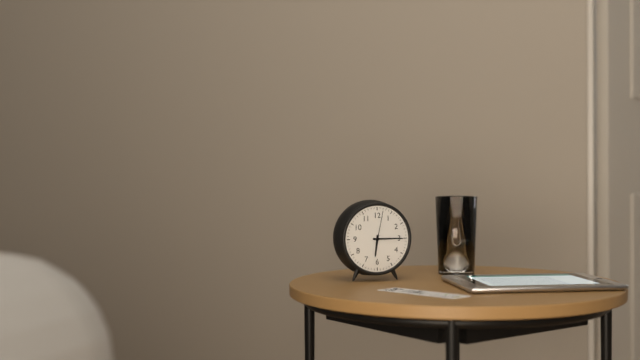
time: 6:15
